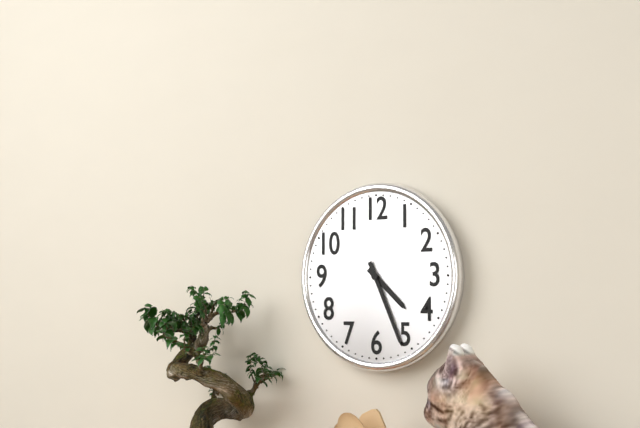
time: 4:26
